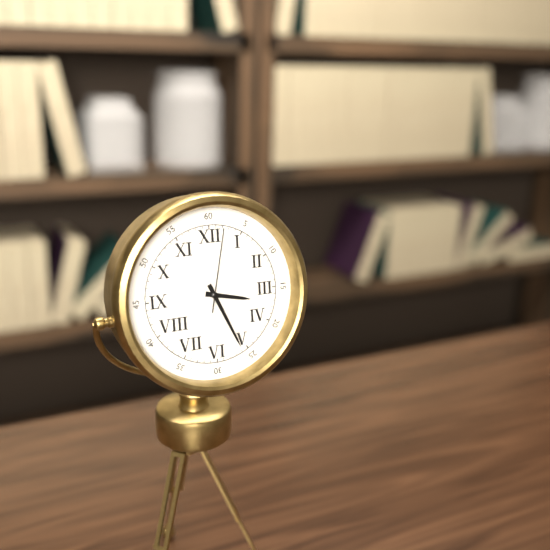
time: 3:26:02
